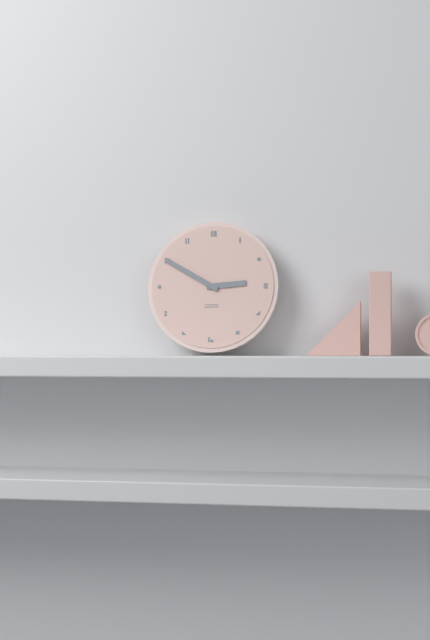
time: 2:50
